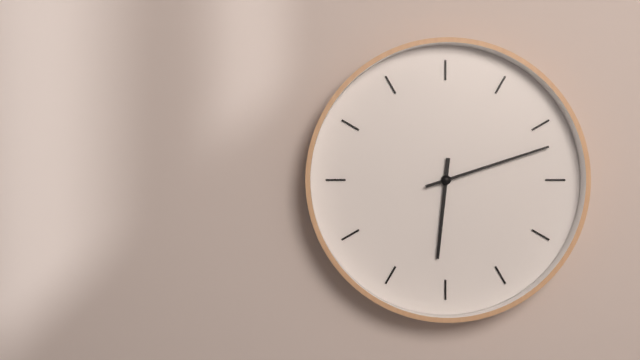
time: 6:12
